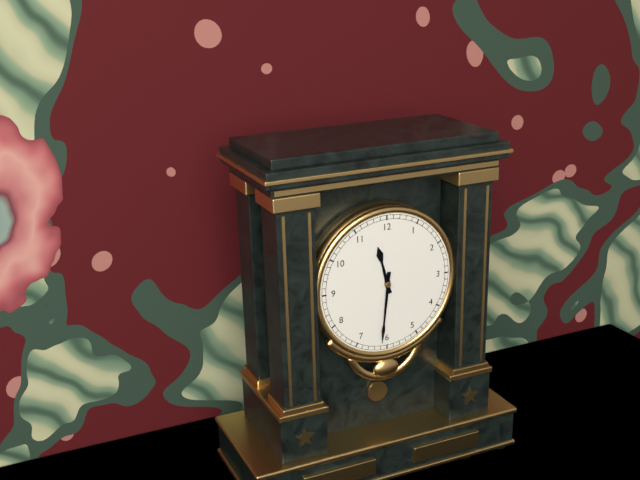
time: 11:31
